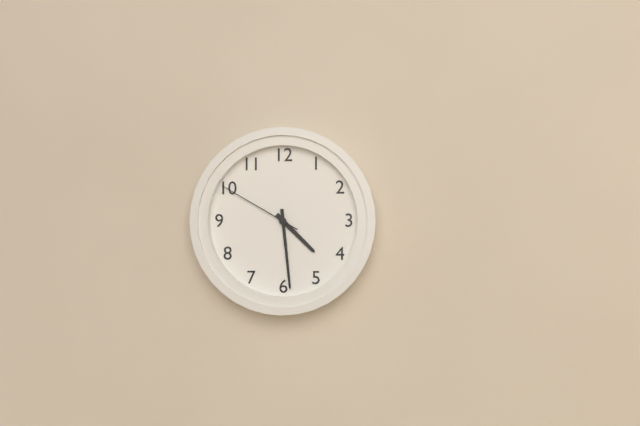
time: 4:29:50
